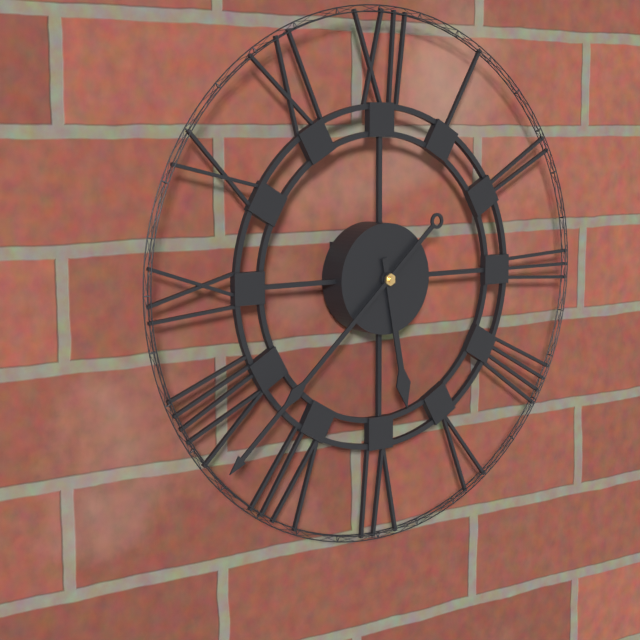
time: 5:38
